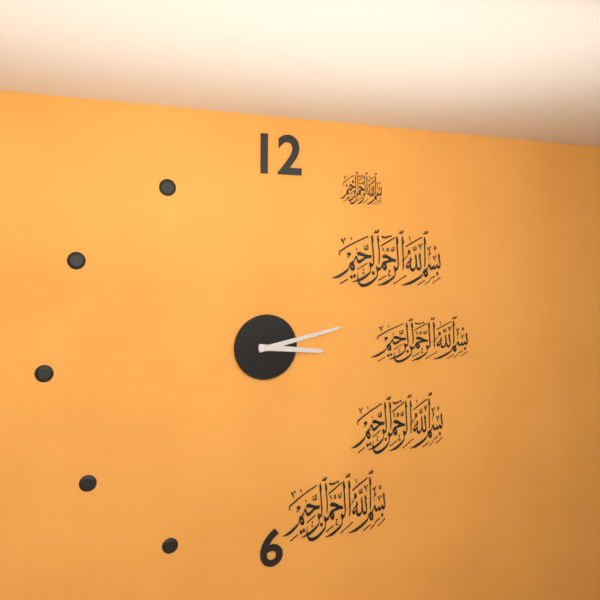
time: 3:13
